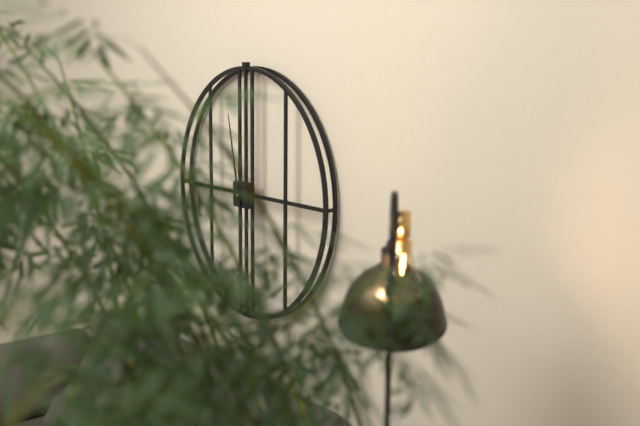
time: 5:58
